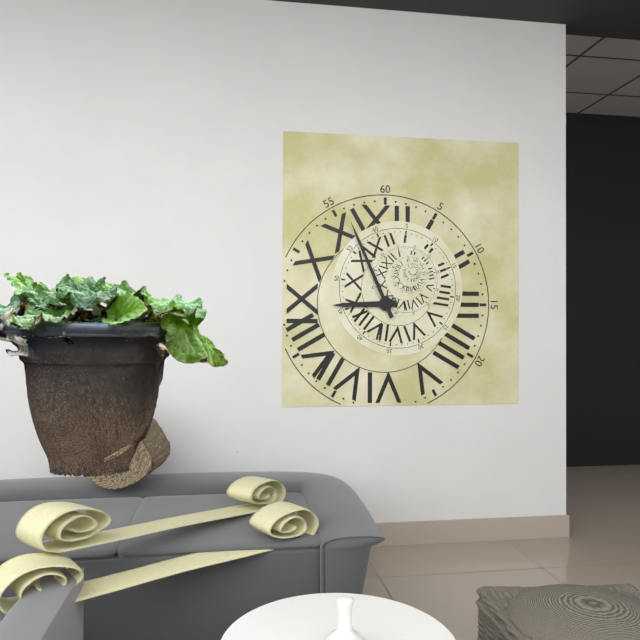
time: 8:56
